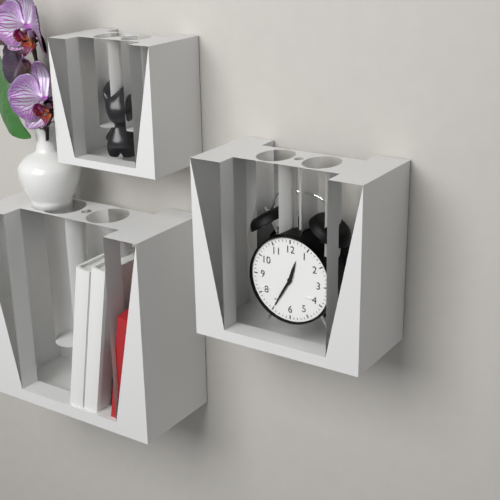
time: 12:35
